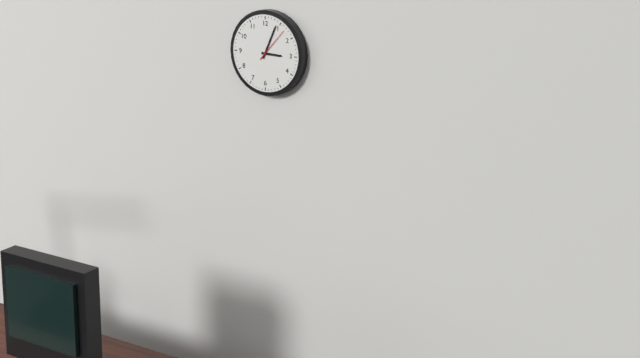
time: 3:04
